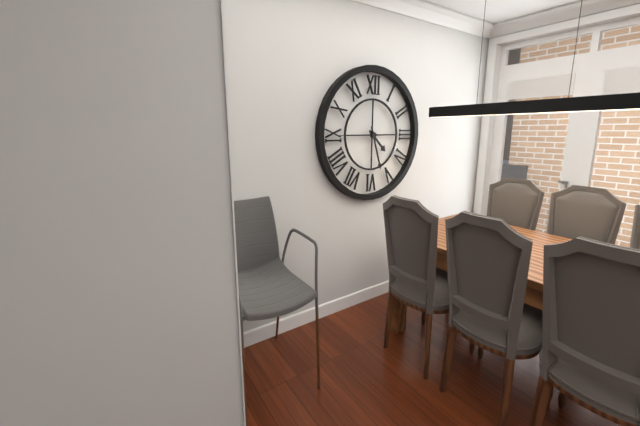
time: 4:27
